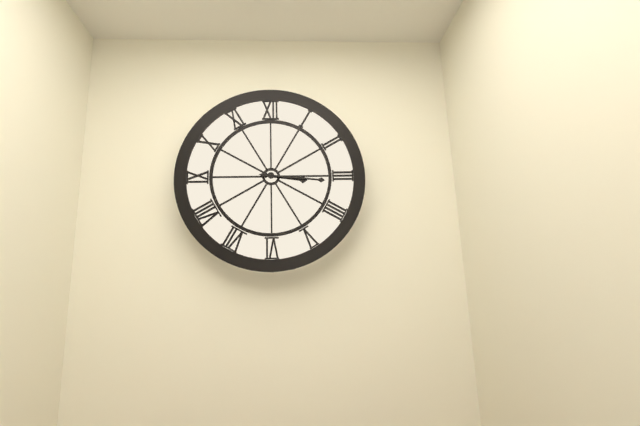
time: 3:16
